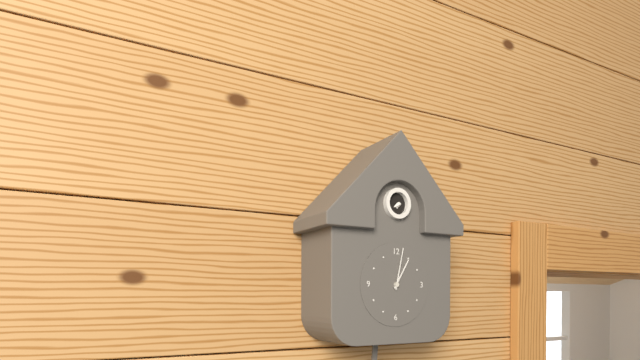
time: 1:02
